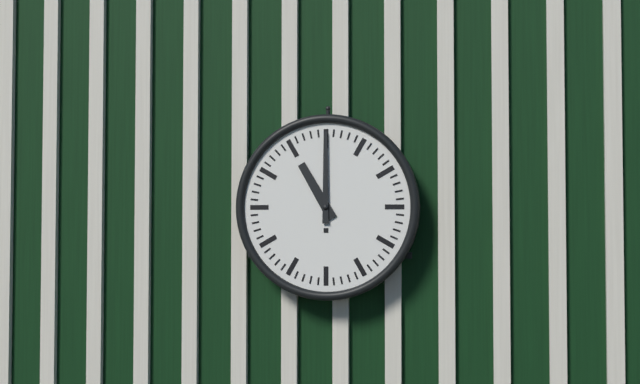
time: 11:00
